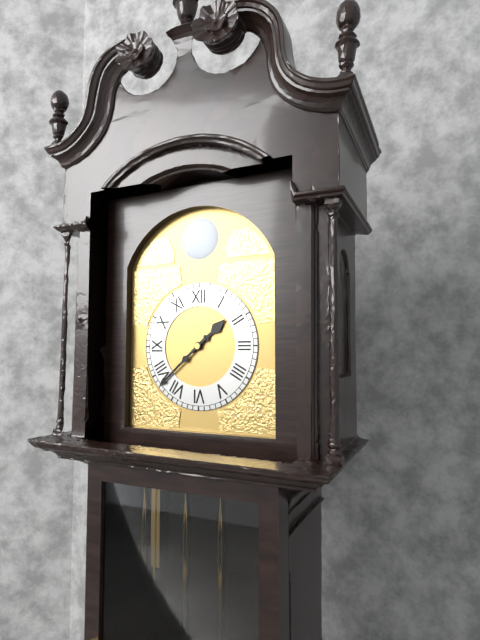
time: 1:38
